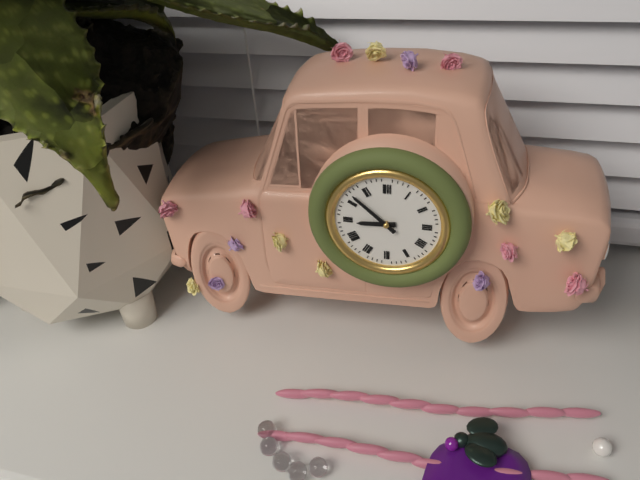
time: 8:52
